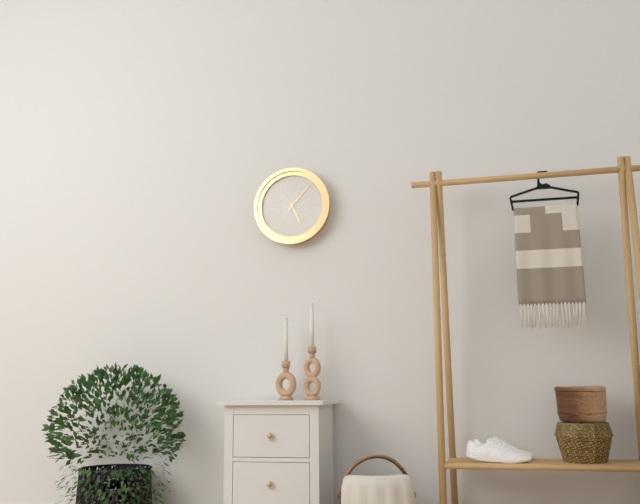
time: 5:07
